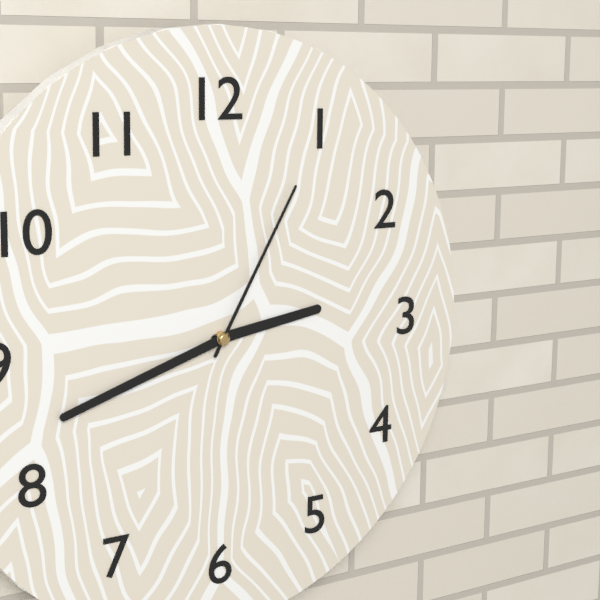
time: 2:42:05
